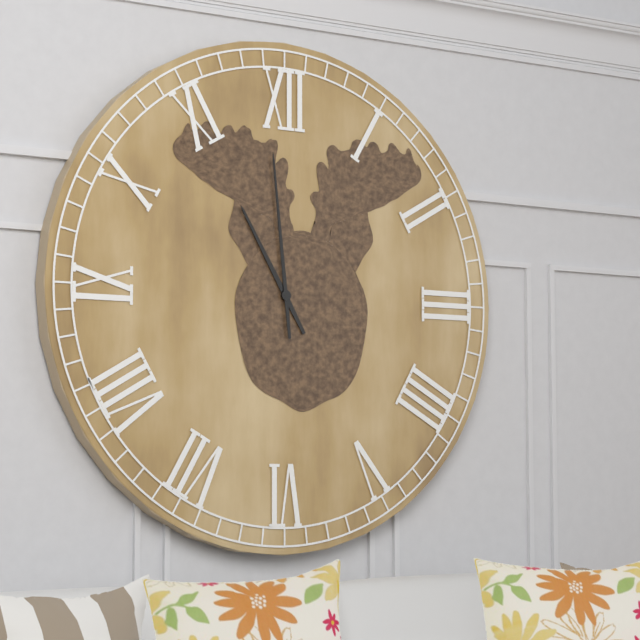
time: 10:59
